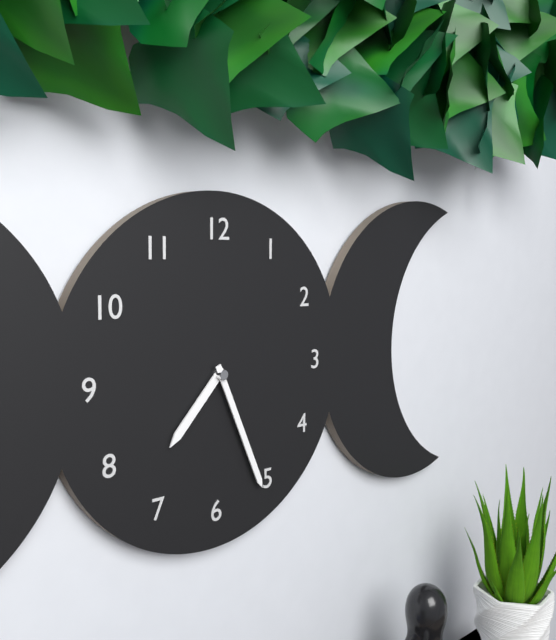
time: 7:26
